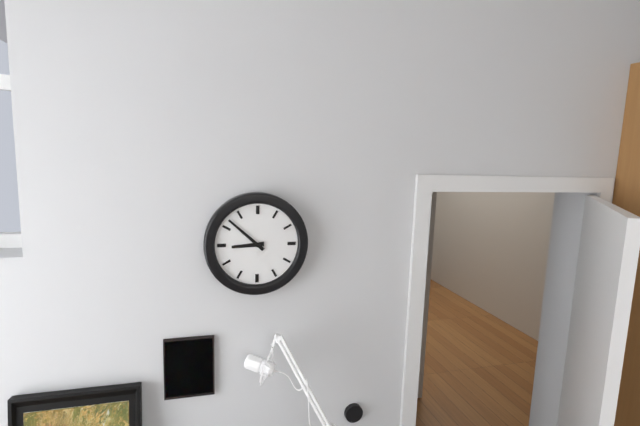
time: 8:52
